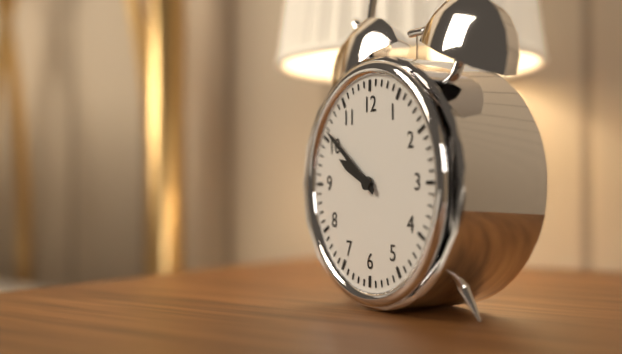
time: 9:51
